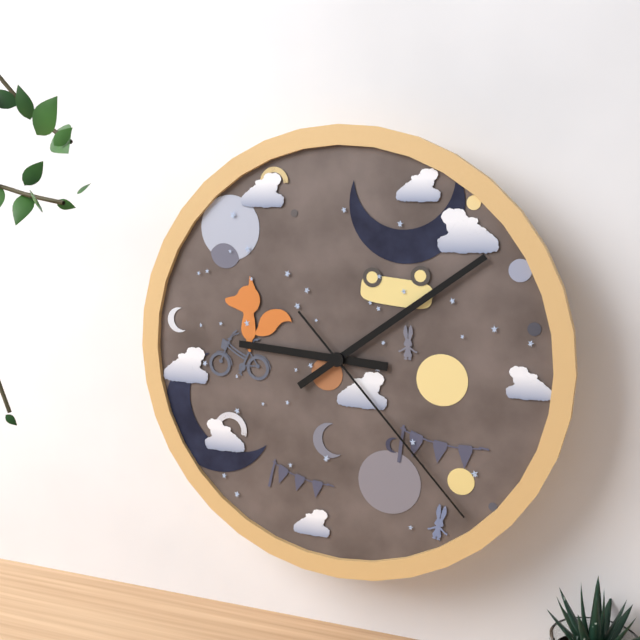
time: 9:09:23
